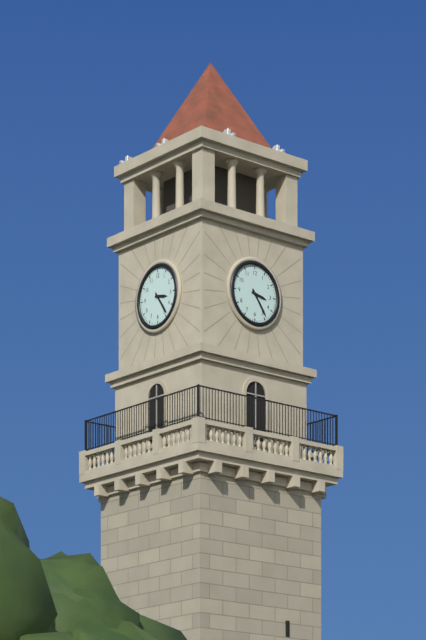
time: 3:24
